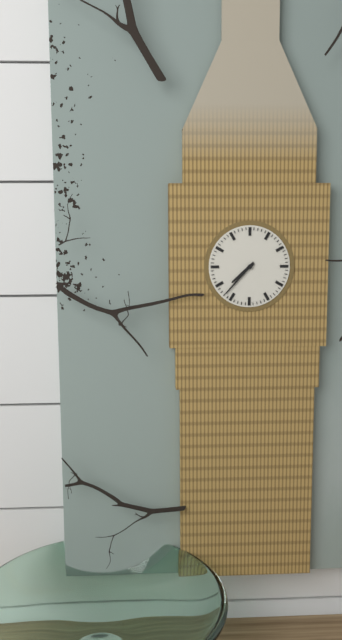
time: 7:37
